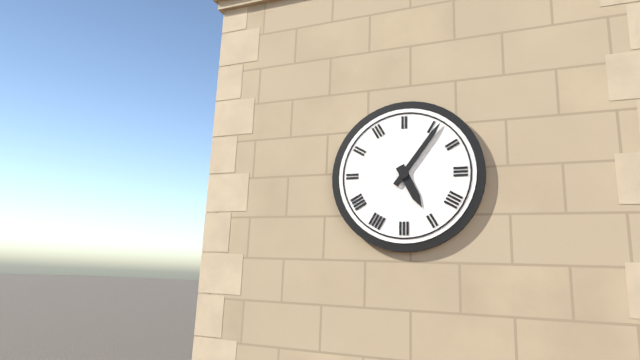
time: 5:06
